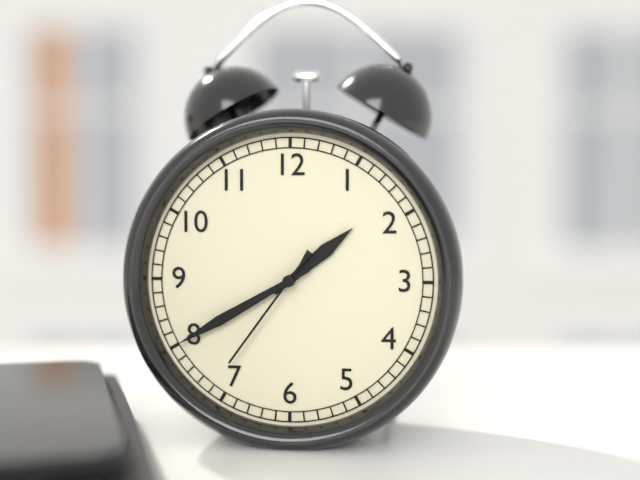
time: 1:40:36
